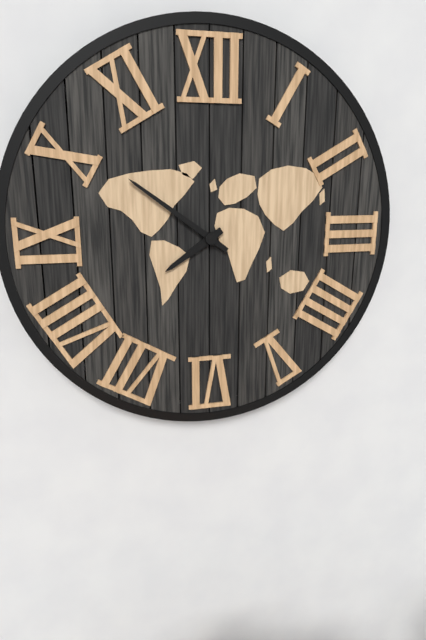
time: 7:51
